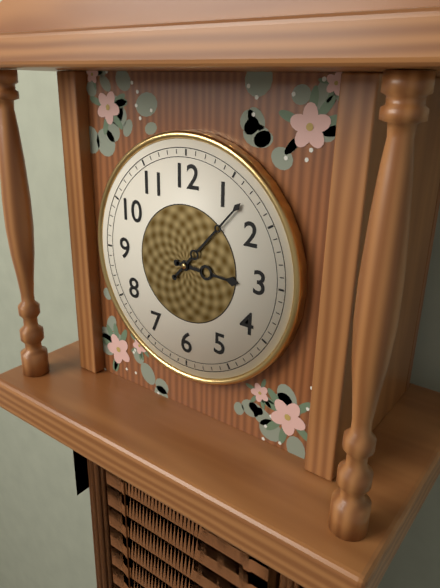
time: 3:07
